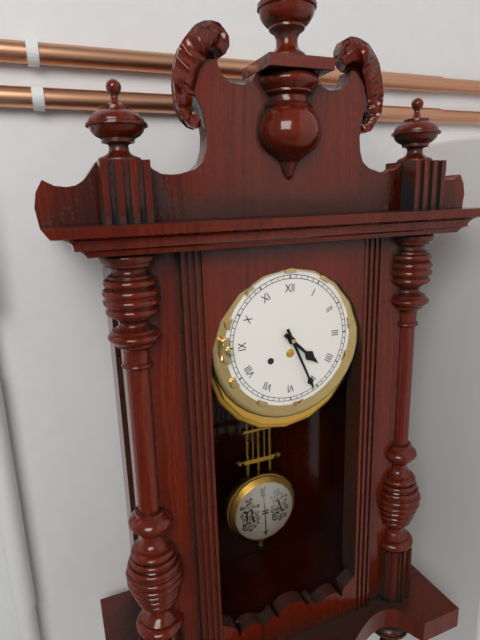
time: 4:26
